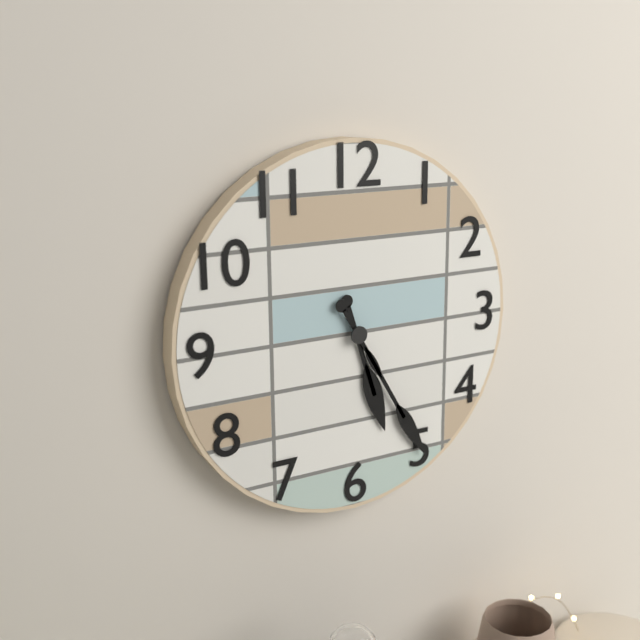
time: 5:25
